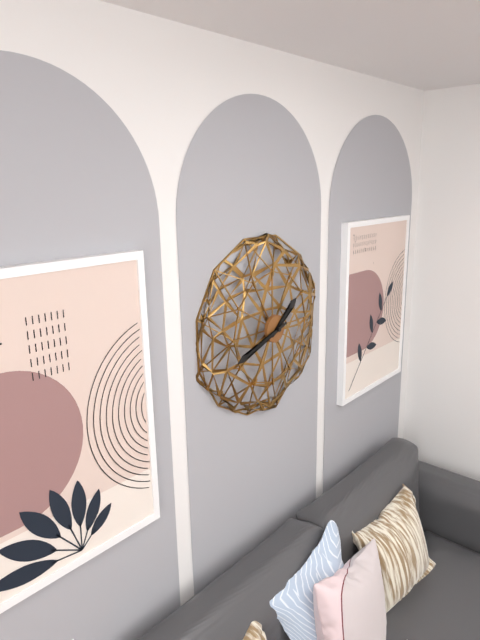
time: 1:42
